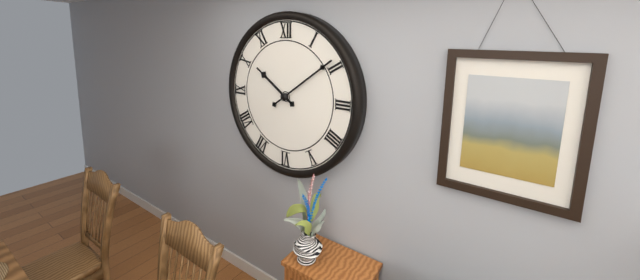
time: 10:09
